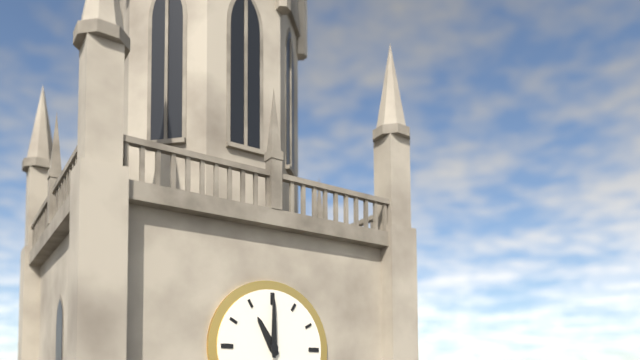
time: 11:00
